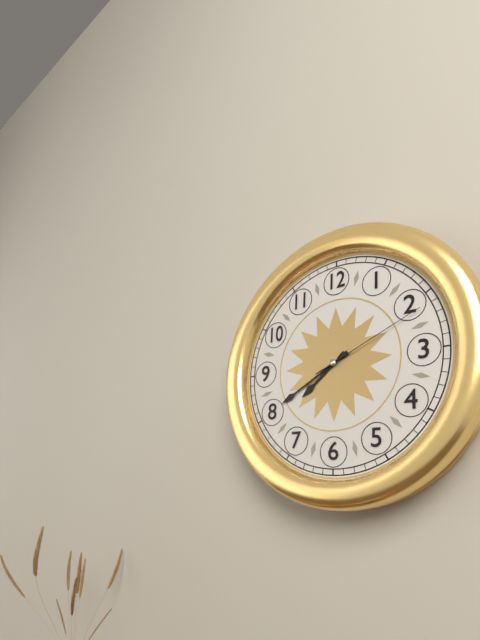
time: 7:40:11
